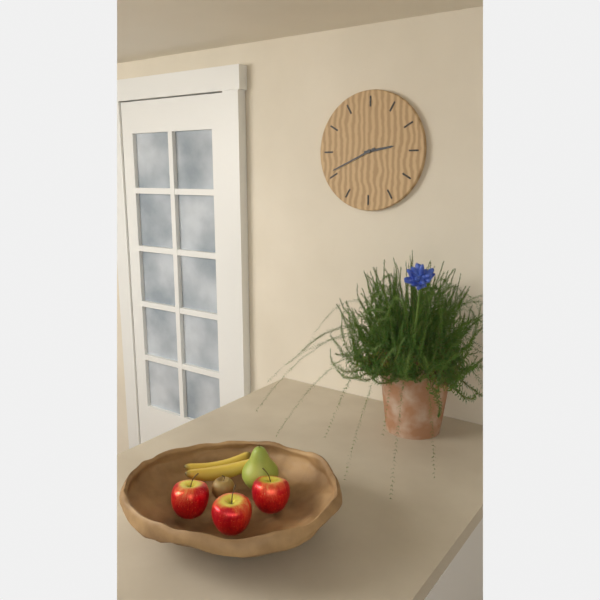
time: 2:41
